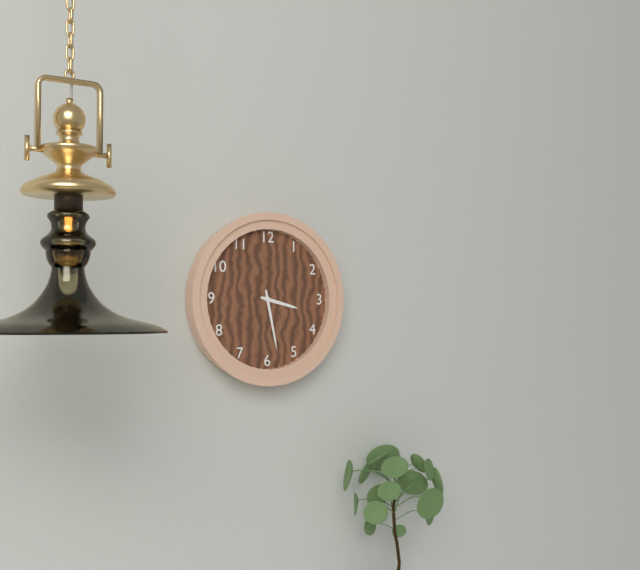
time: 3:28
